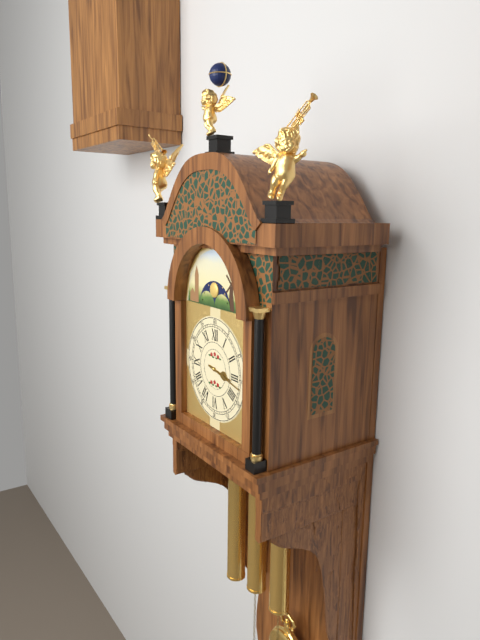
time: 3:17
